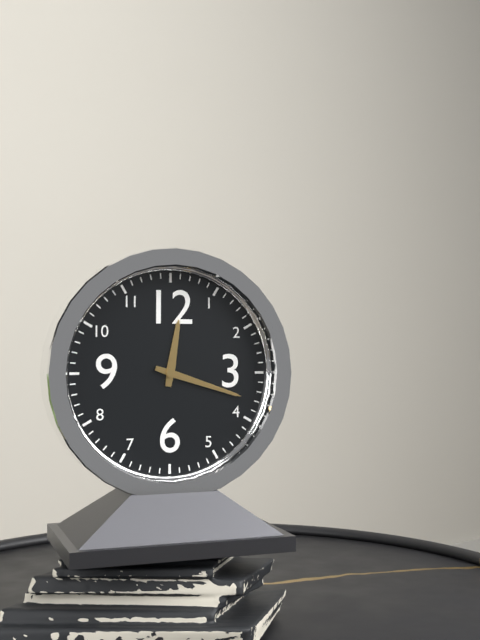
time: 12:18
